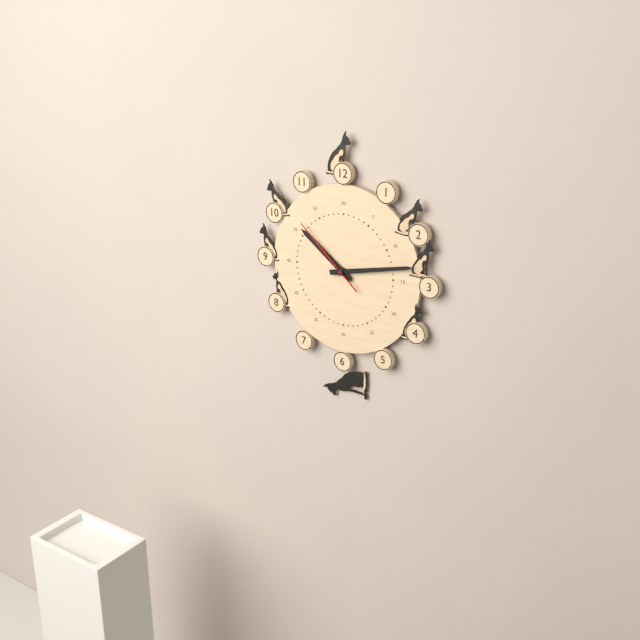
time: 10:13:52
